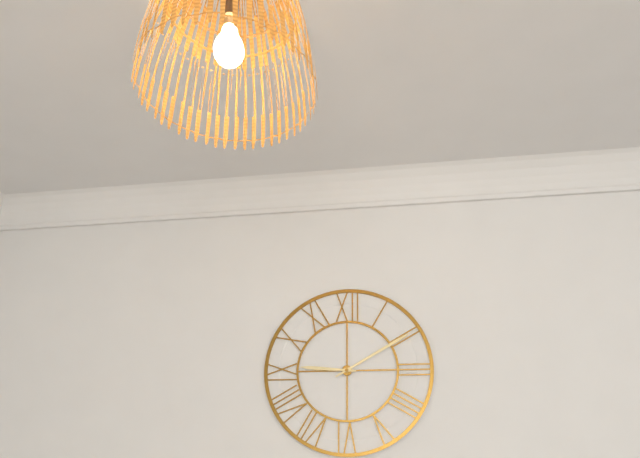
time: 9:10
